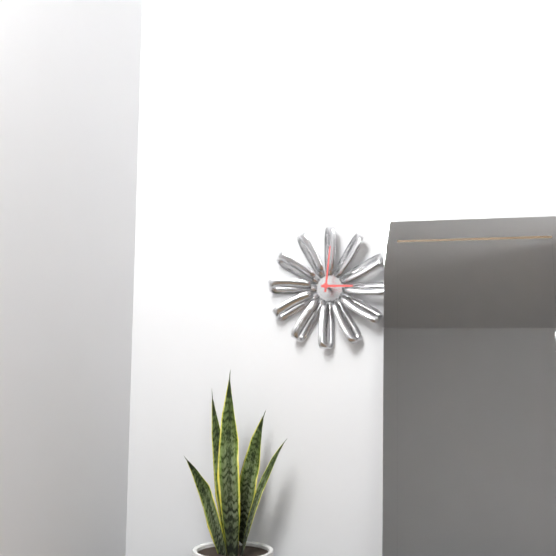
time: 3:01
